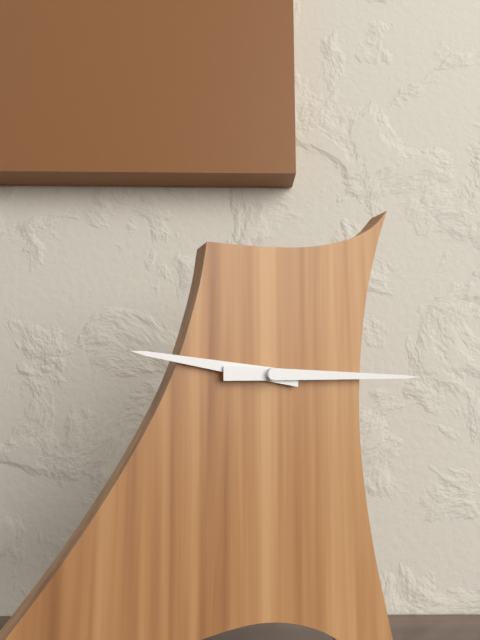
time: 9:15
